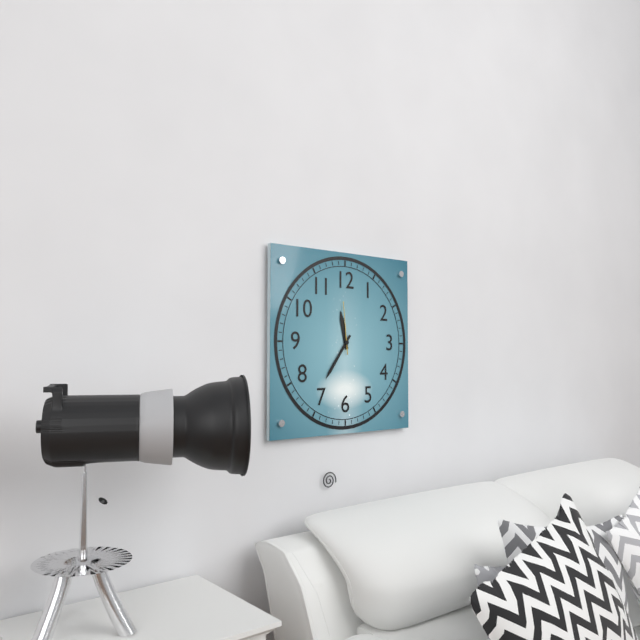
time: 11:36:59
